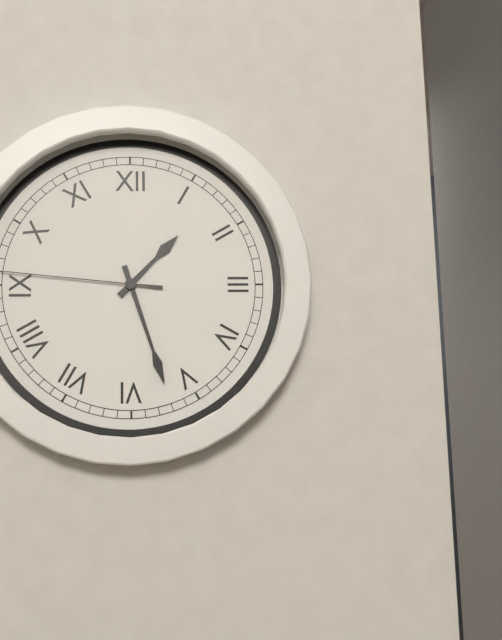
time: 1:27
